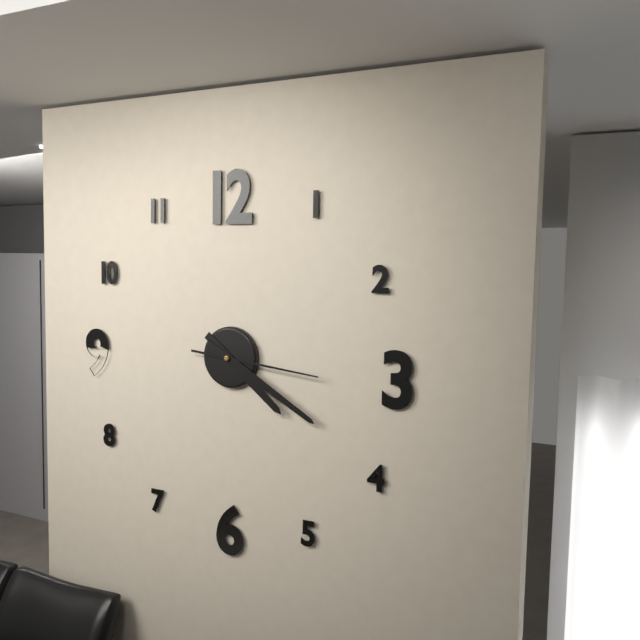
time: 4:20:16
